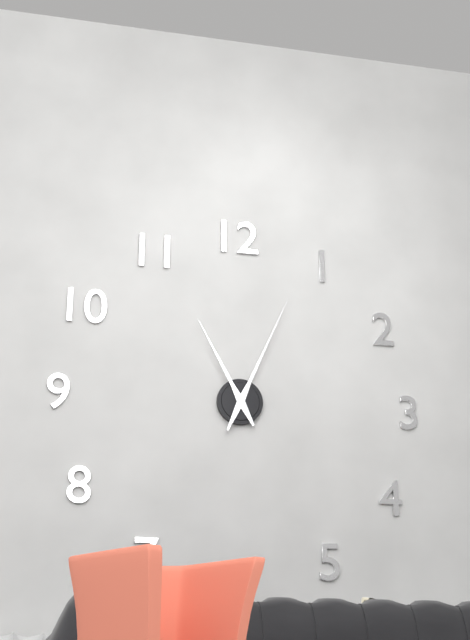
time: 11:04
